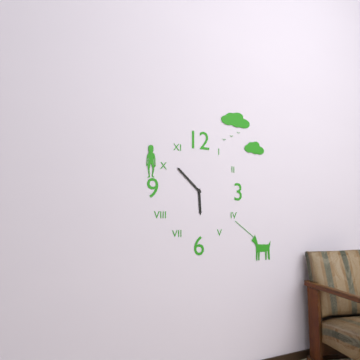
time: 5:52
